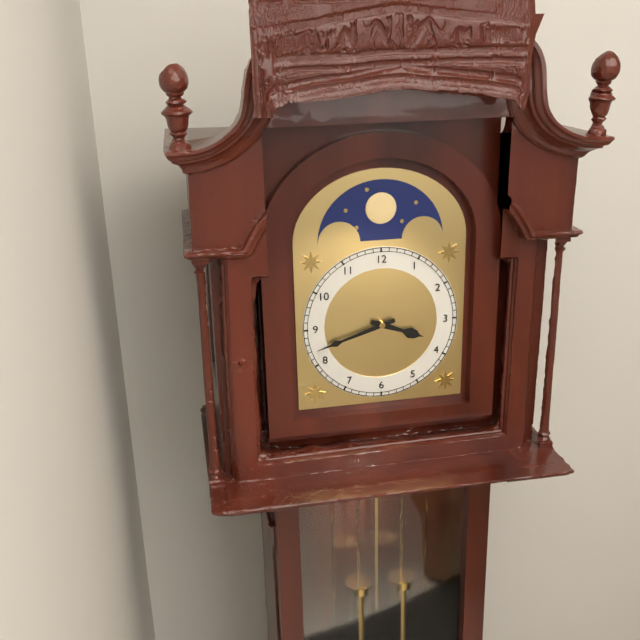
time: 3:42
